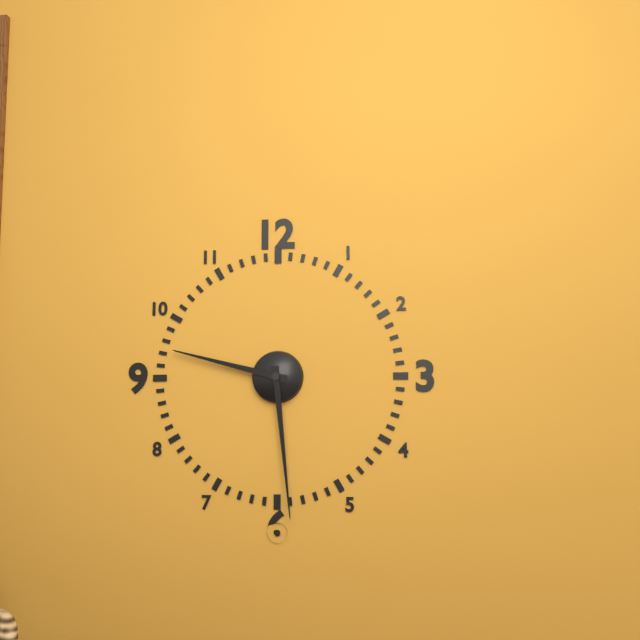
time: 9:29
